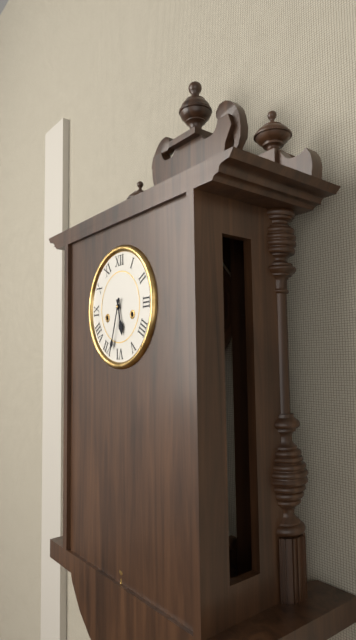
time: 5:33
